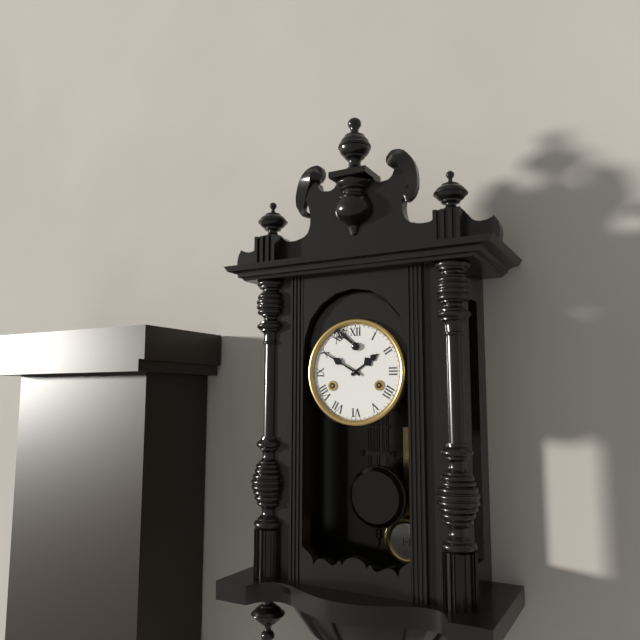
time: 1:50
